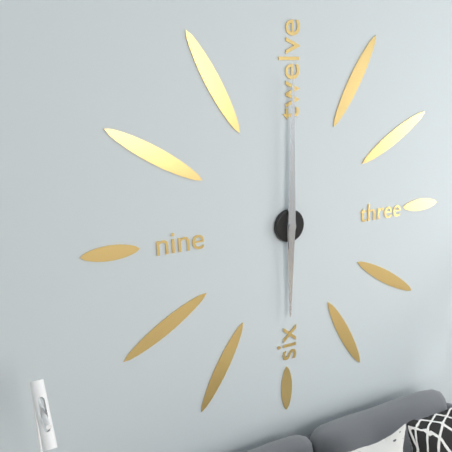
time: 6:00
